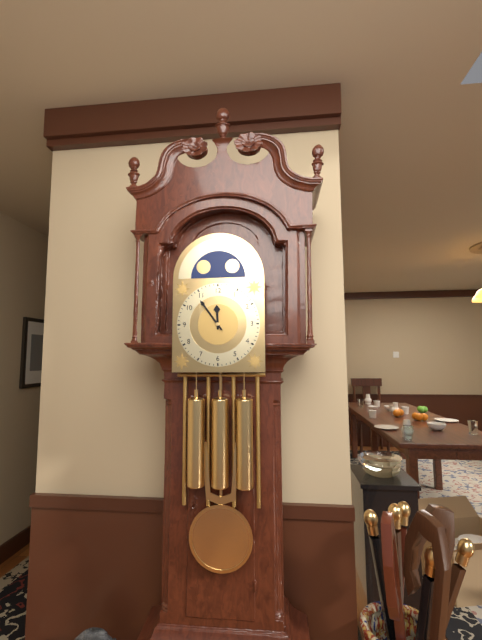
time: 11:54
